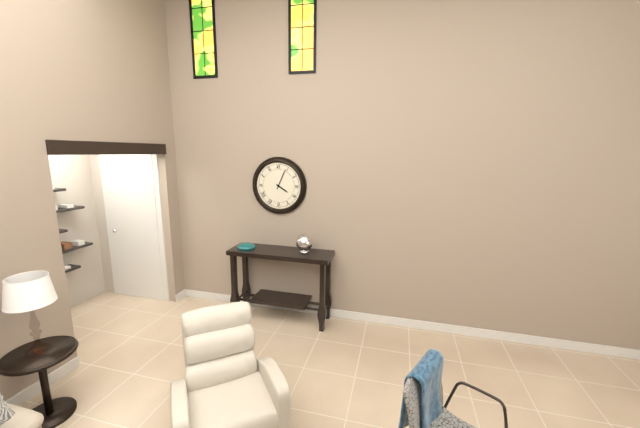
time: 4:04
